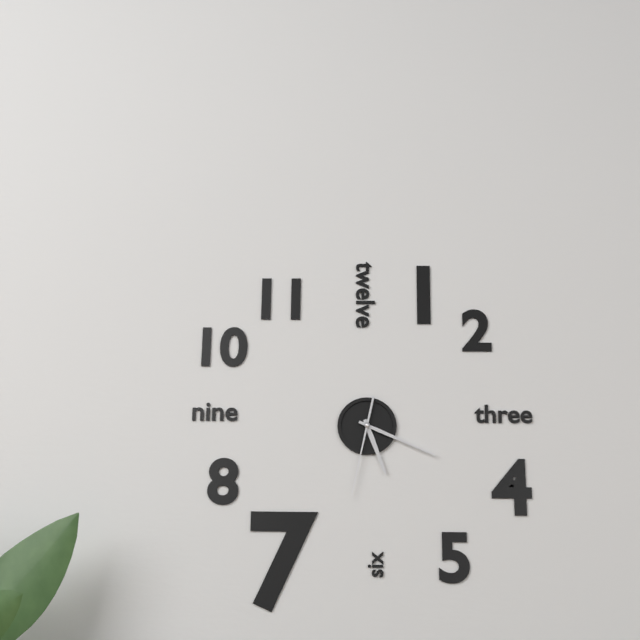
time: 5:19:32
